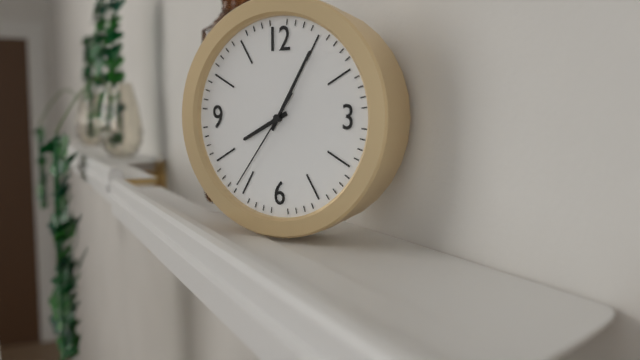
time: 8:05:36
